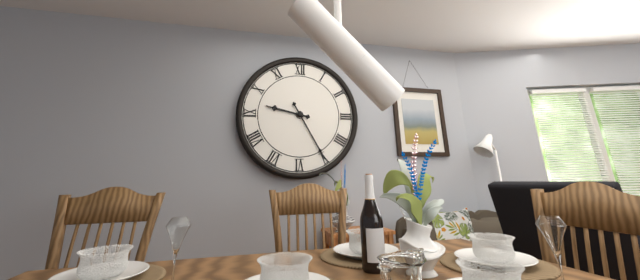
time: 9:25
